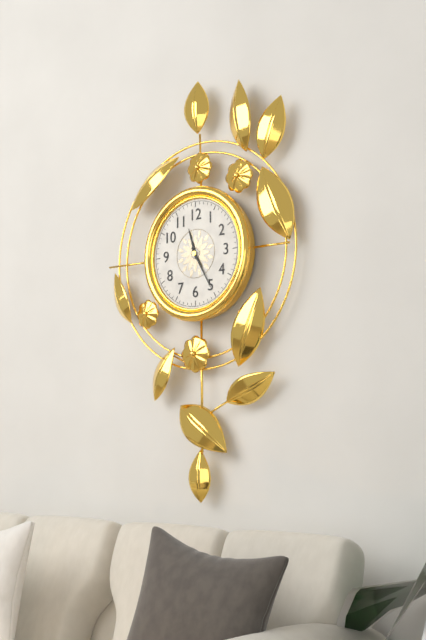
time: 11:25
